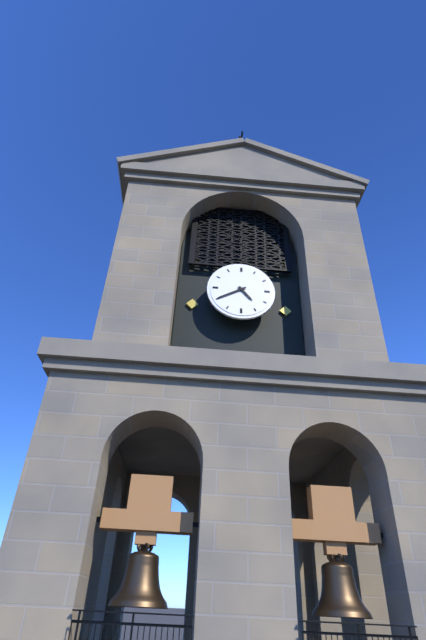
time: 4:40
